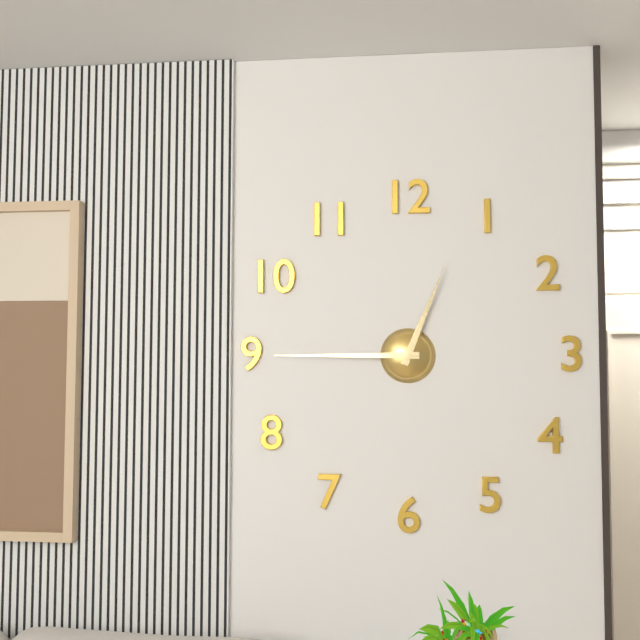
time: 12:45
